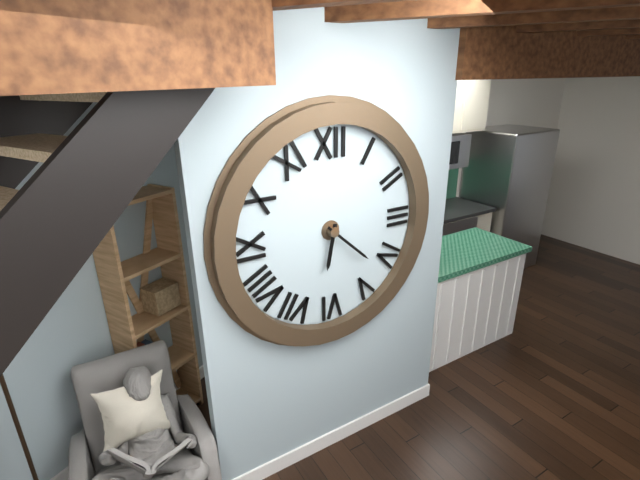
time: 6:22
